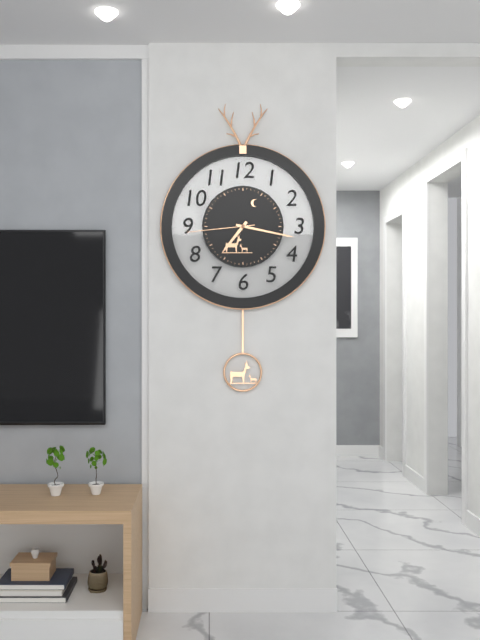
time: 7:17:44
